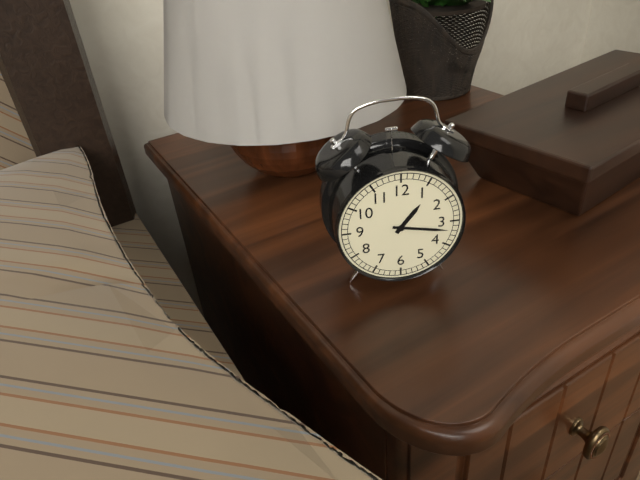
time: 1:17
